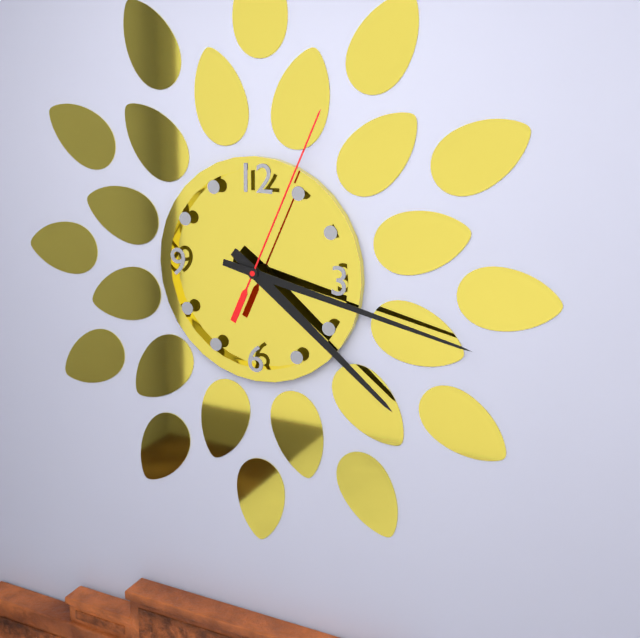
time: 4:17:04
